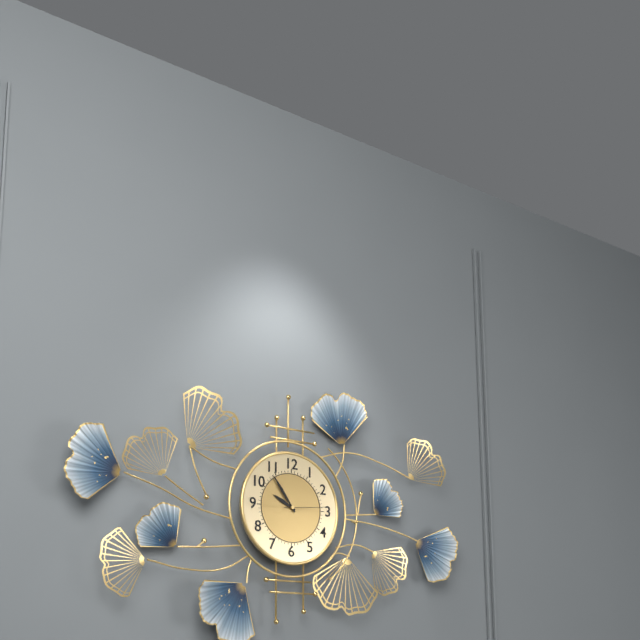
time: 9:54
